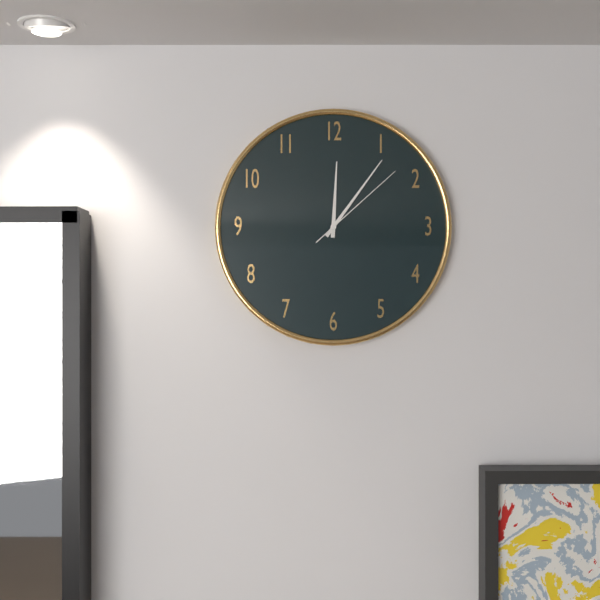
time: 12:06:08
